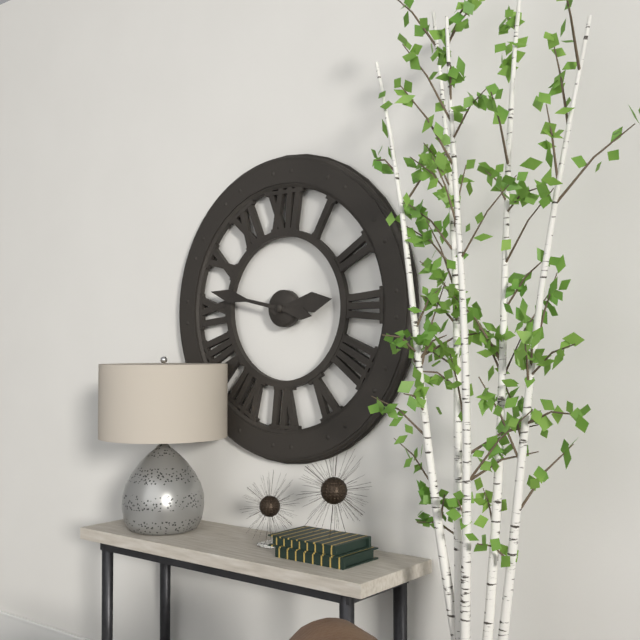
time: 2:47
